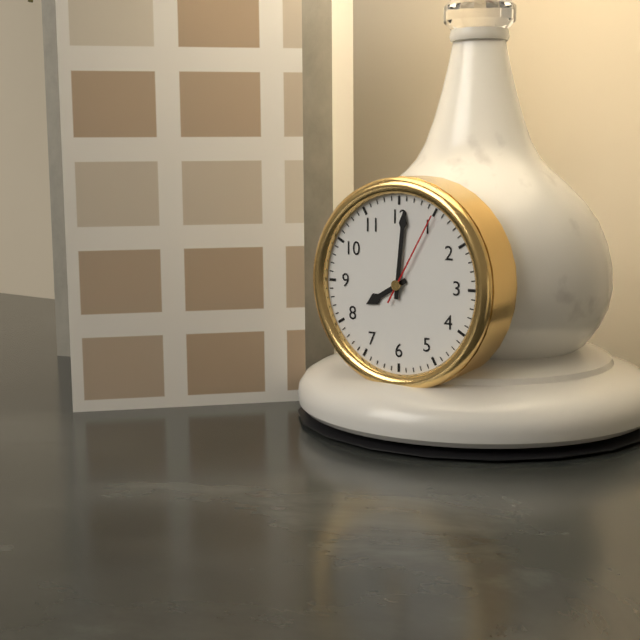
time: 8:01:05
